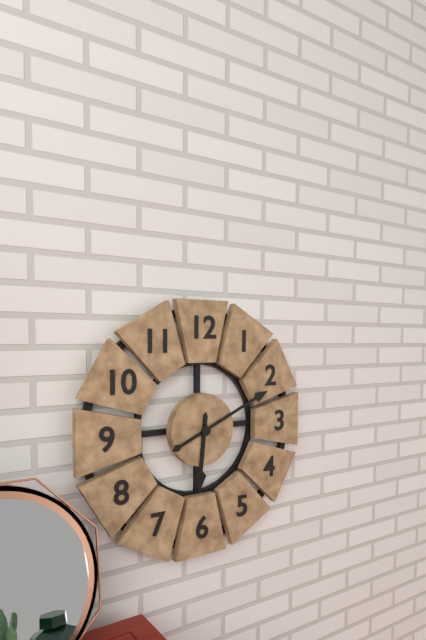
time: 6:11
